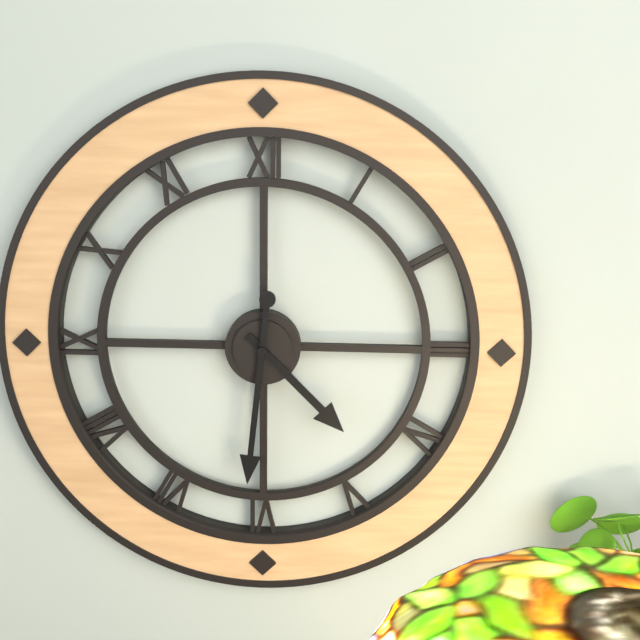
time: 4:31
